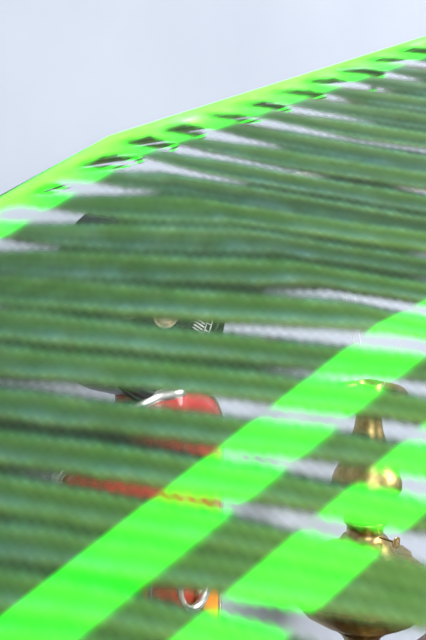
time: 10:46
